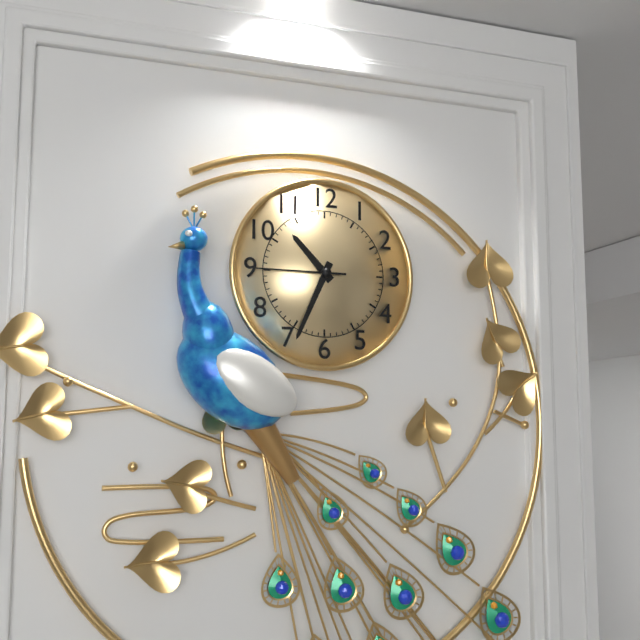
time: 10:34:45
